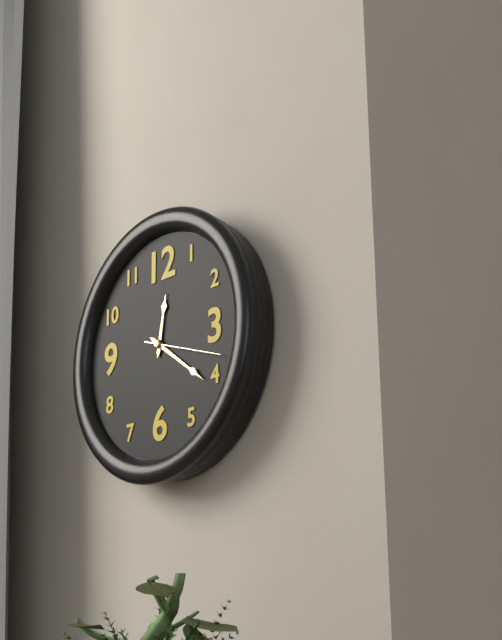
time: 12:21
